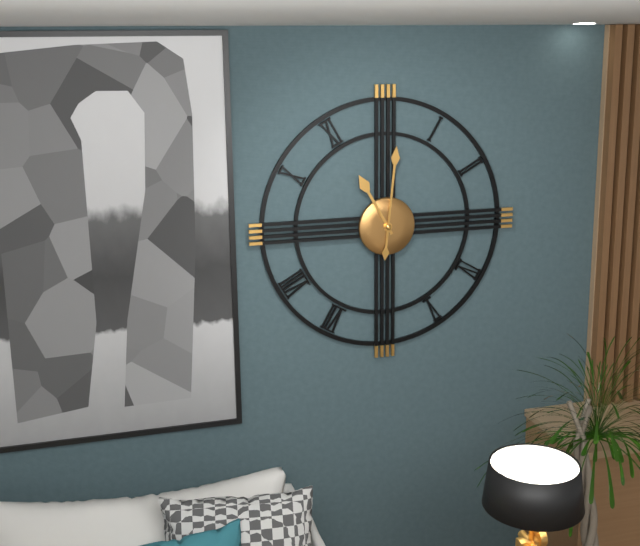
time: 11:01
